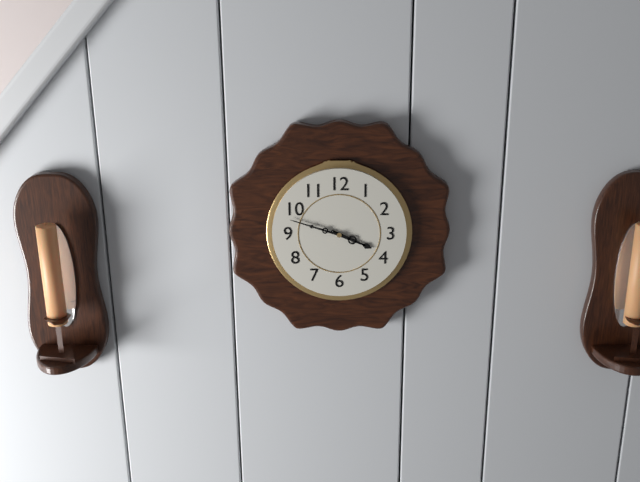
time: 3:48
